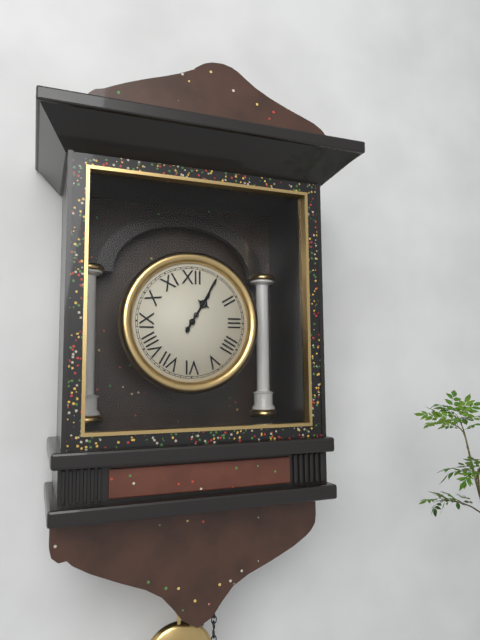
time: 1:05
